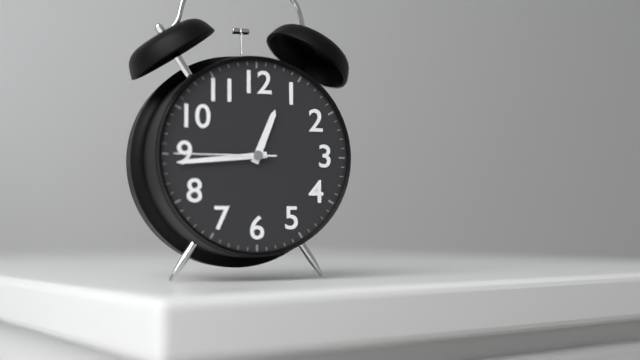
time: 12:44:45
